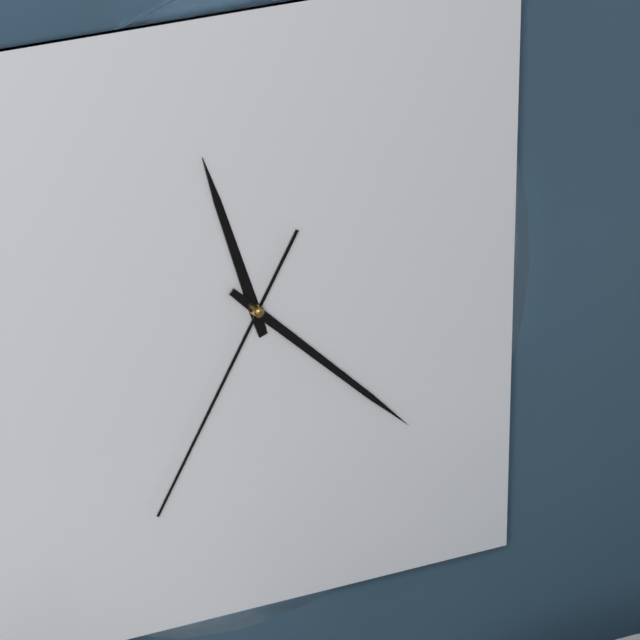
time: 11:22:35
